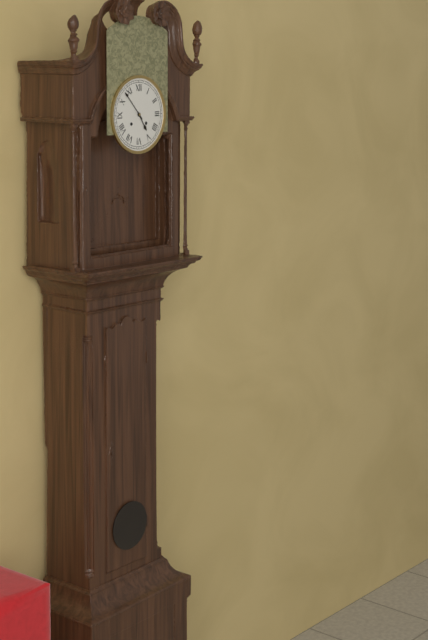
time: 4:53
